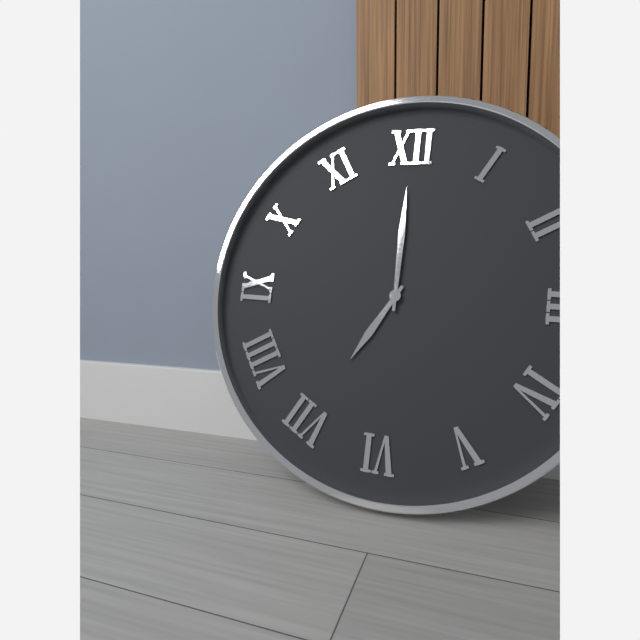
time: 7:00
